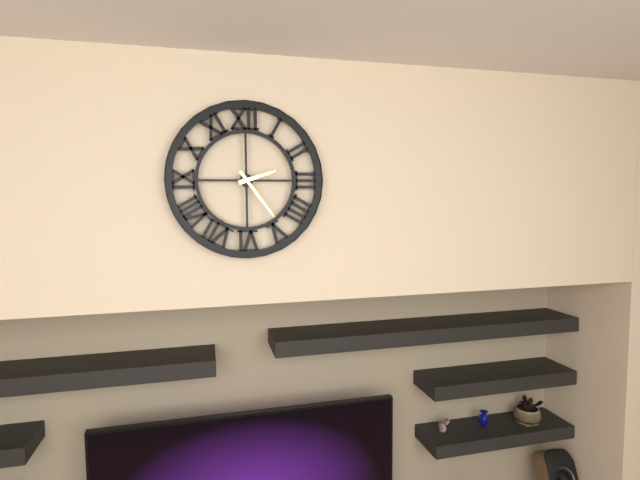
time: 2:24
